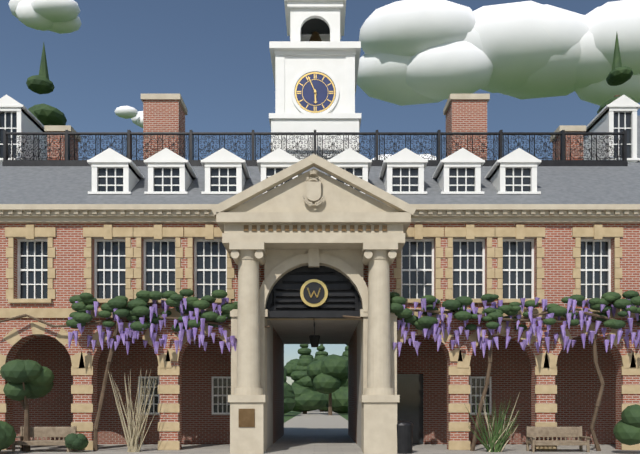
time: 5:56
